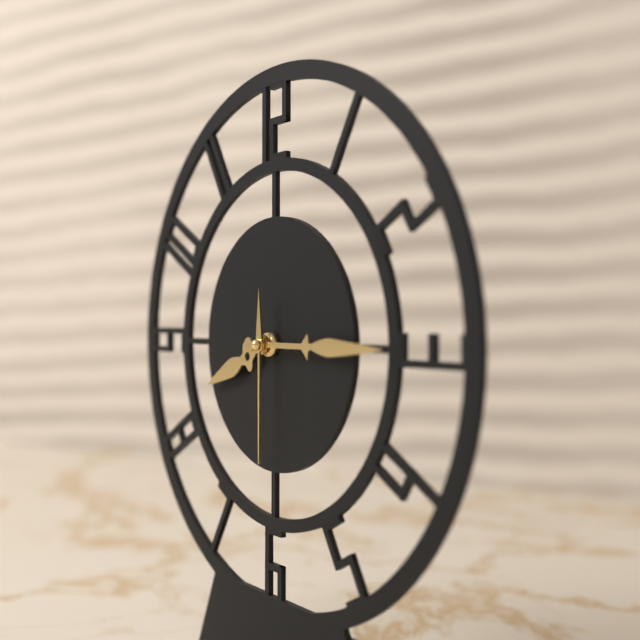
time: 8:15:30
